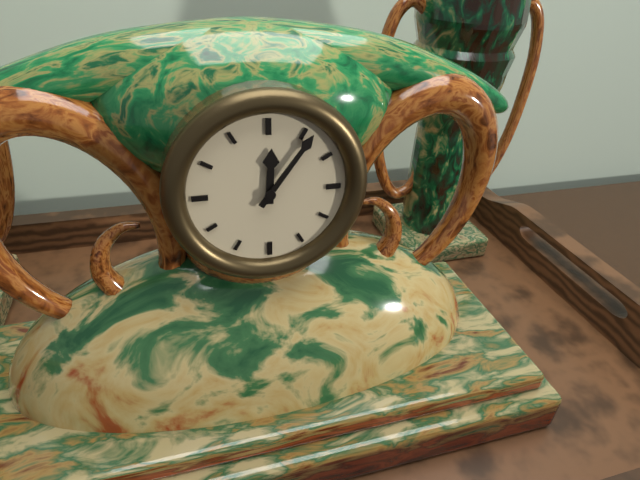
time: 12:06
